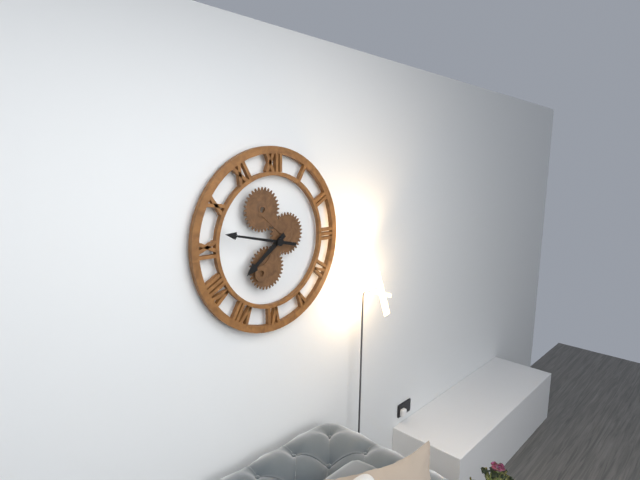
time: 7:47
